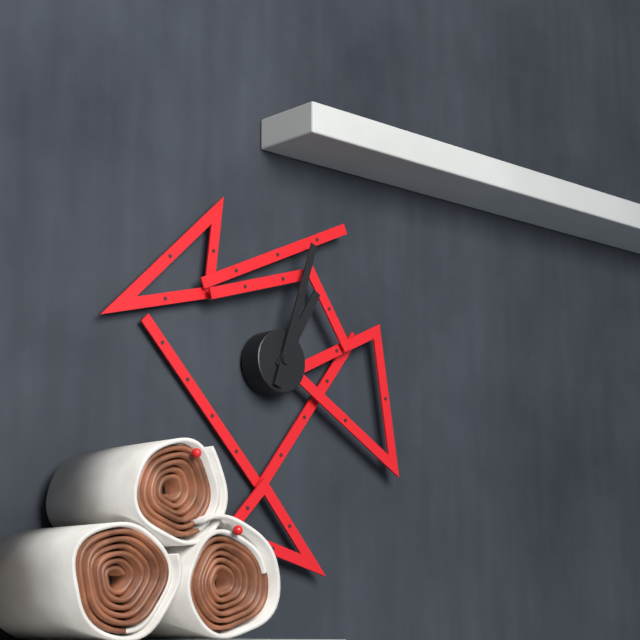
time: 1:03
